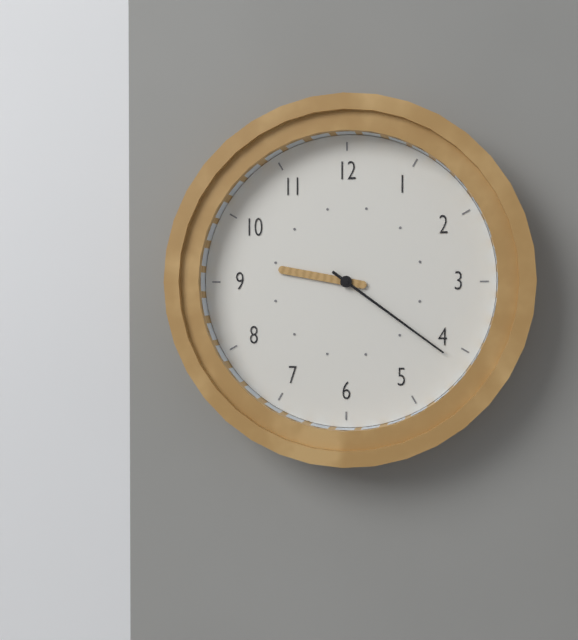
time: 9:21
